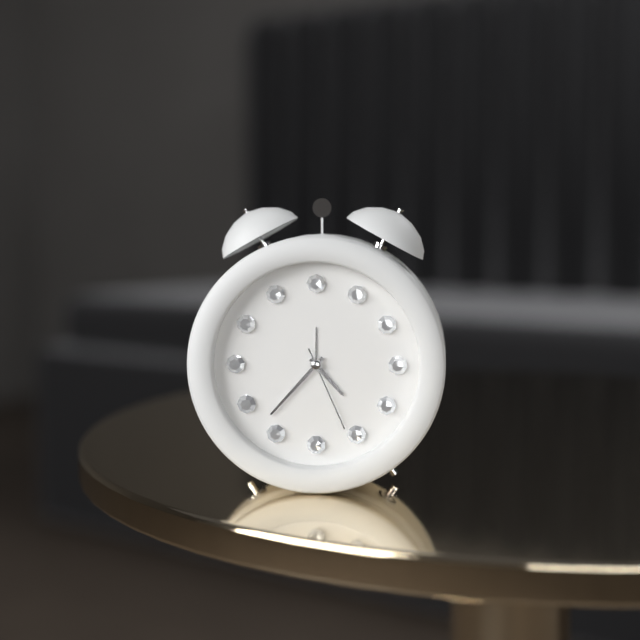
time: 4:37:26
